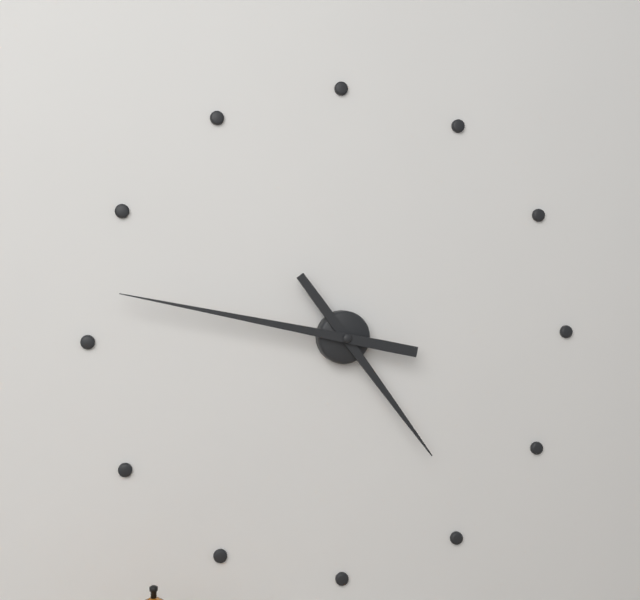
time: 4:47
